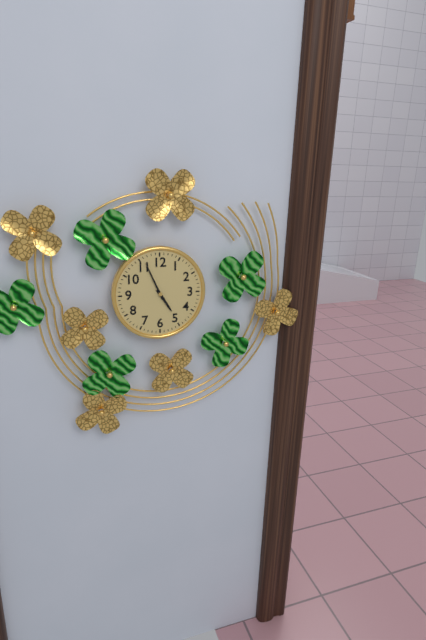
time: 4:56
